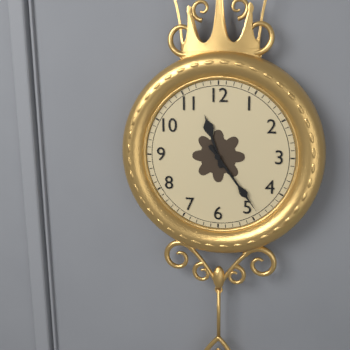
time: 11:24
